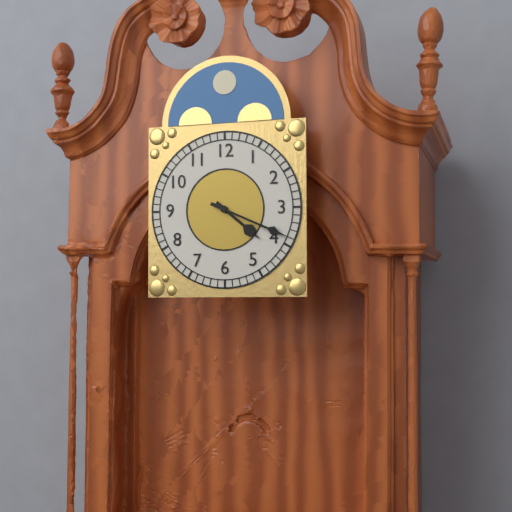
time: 4:19
